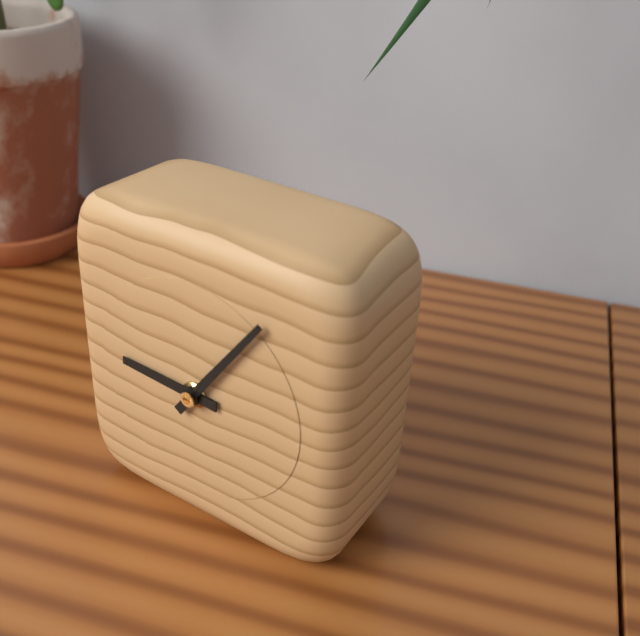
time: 9:06
